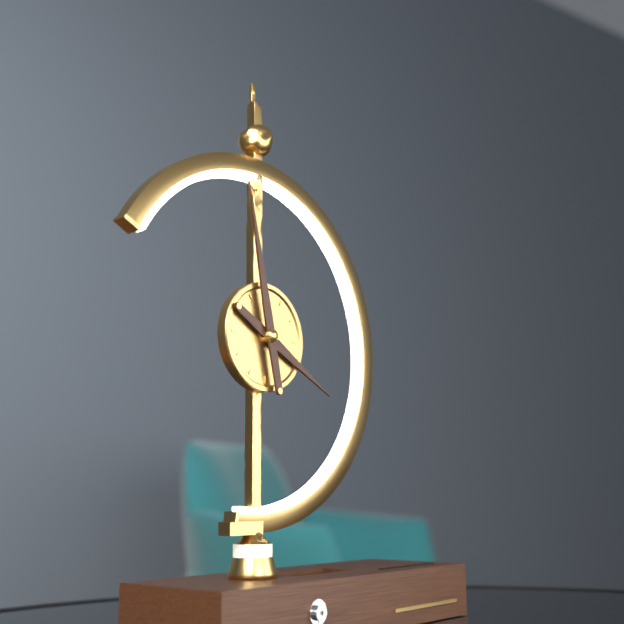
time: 3:58
